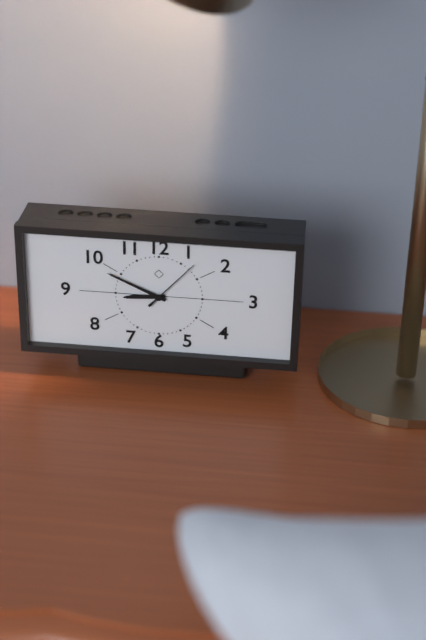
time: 8:49:07
